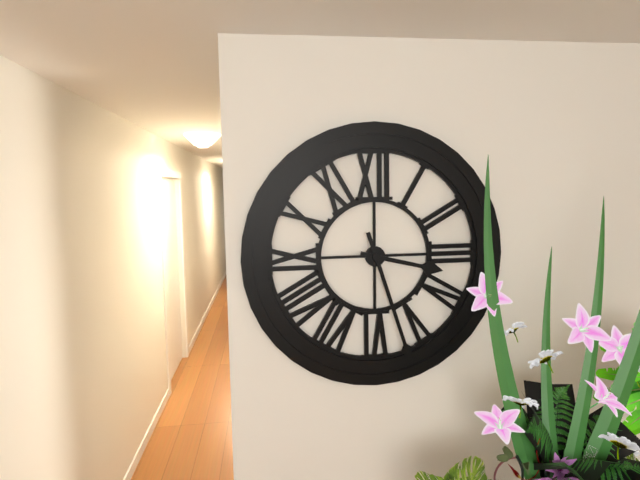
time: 3:27
